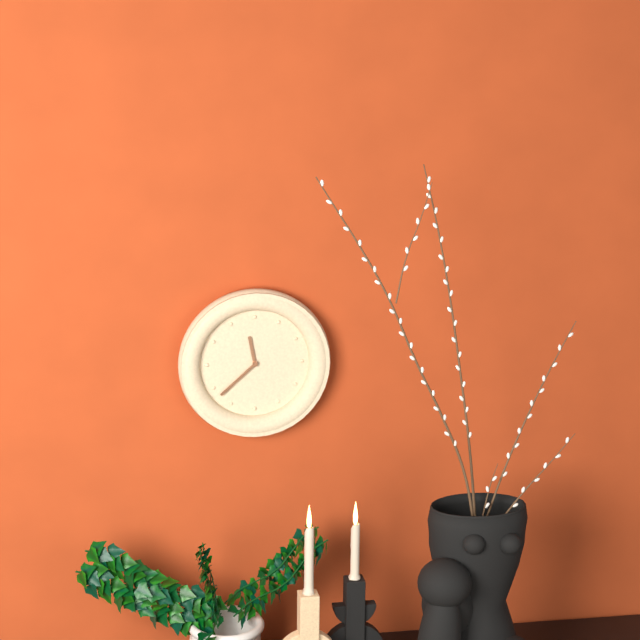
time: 11:38
